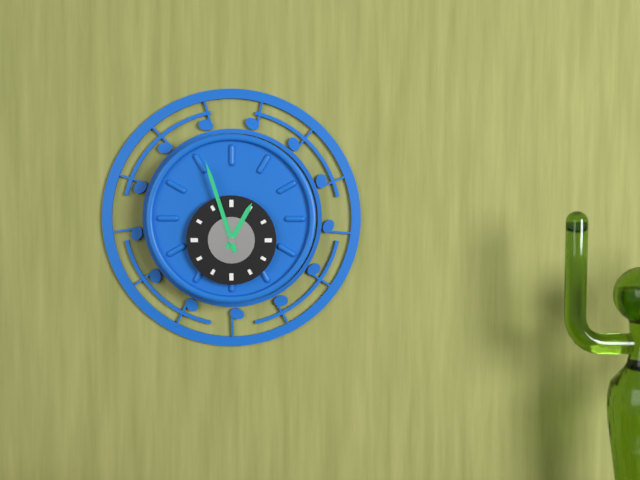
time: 12:57
